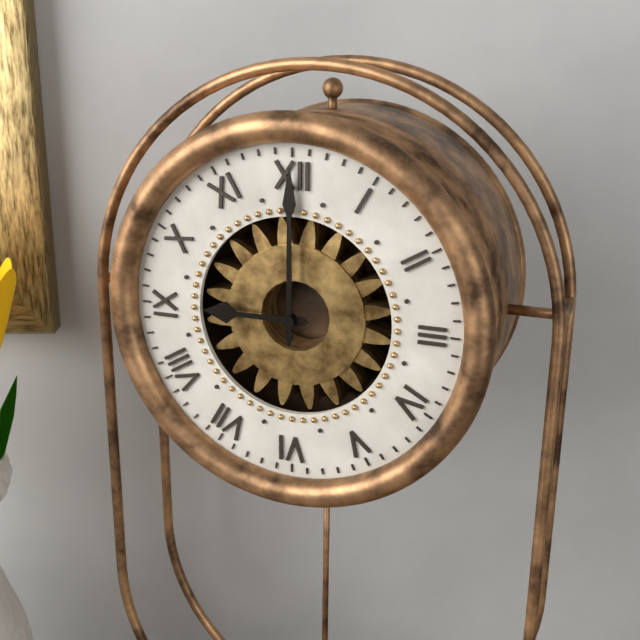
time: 9:00
